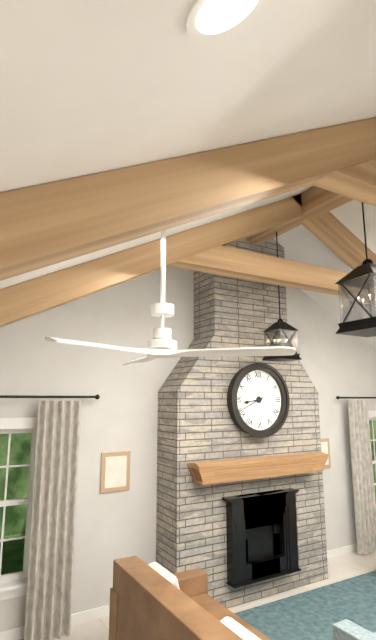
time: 8:41
